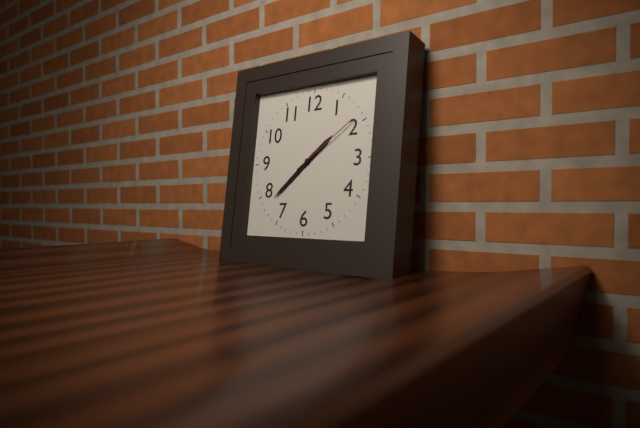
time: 1:38:09
